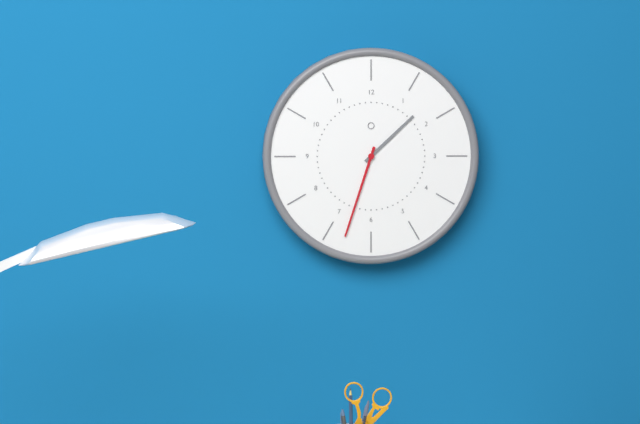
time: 1:33
